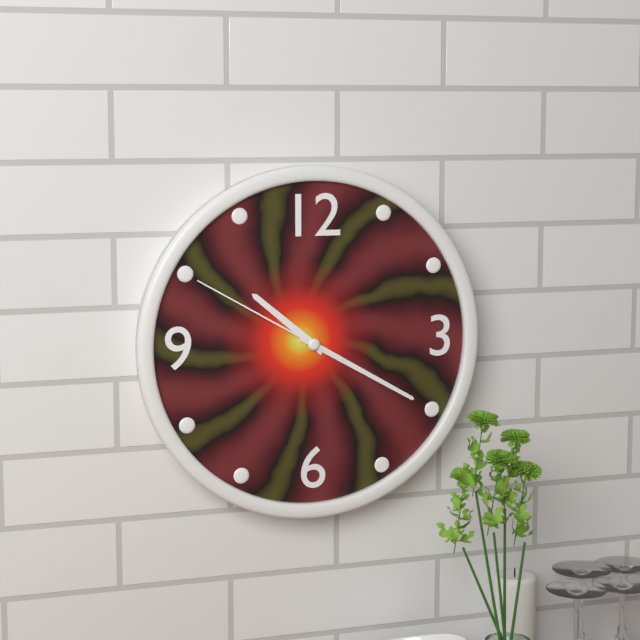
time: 10:20:50
